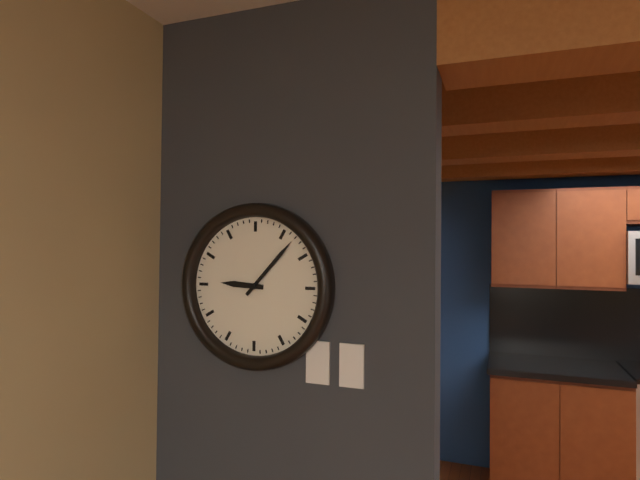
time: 9:07
